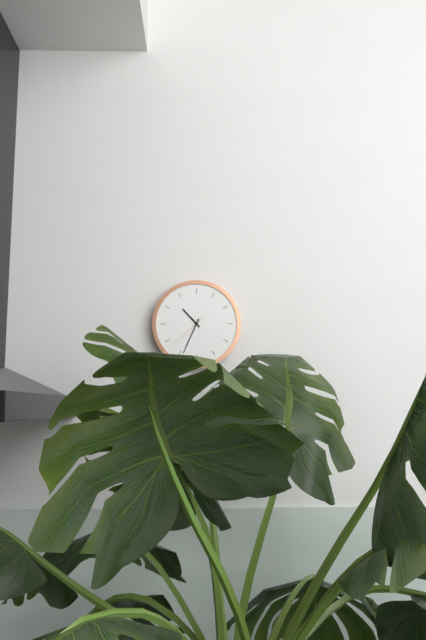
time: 10:34
